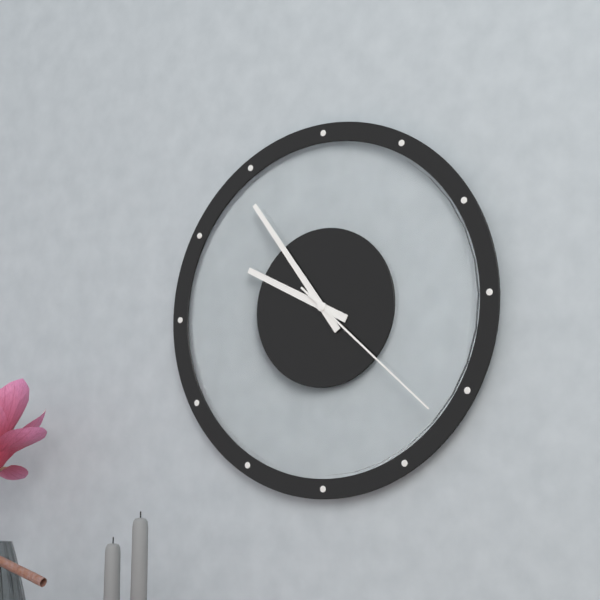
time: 9:54:22
